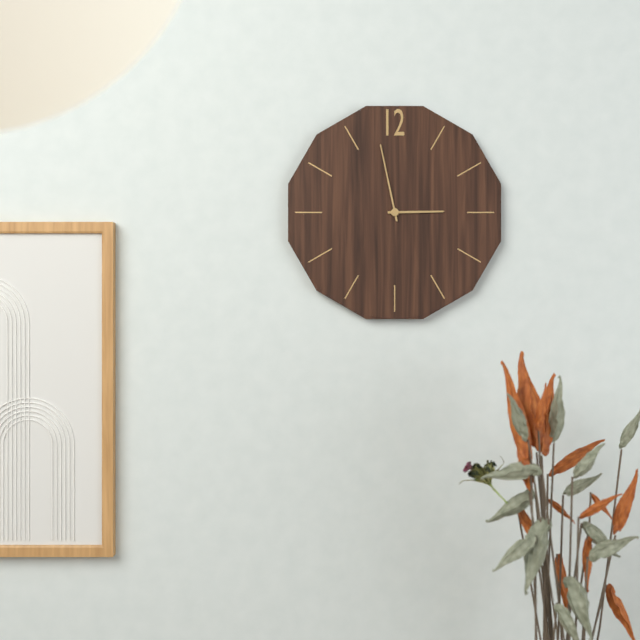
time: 2:58
